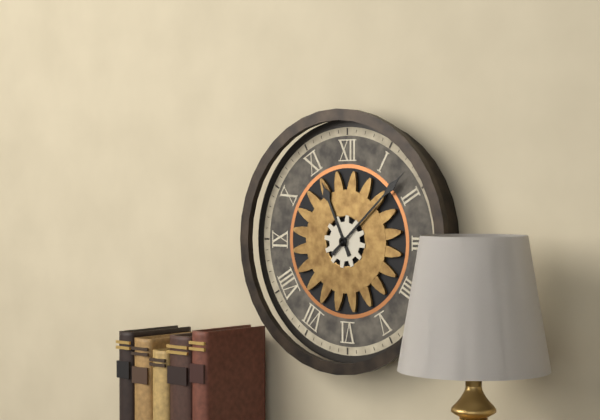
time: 11:08
